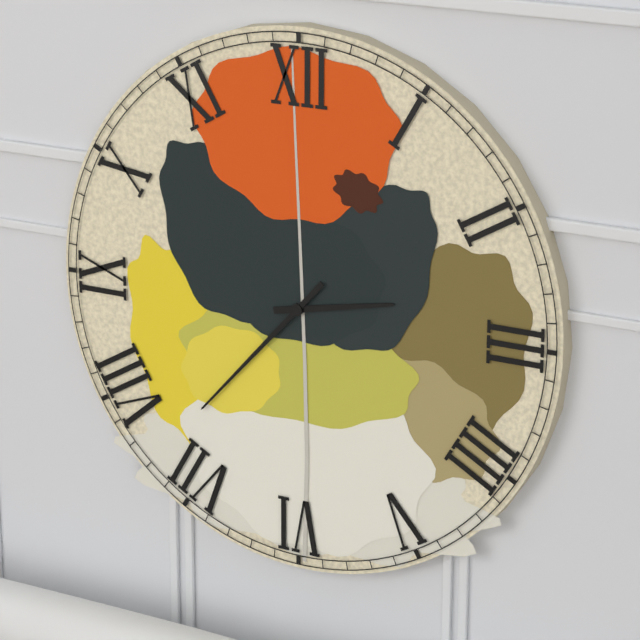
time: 2:37
